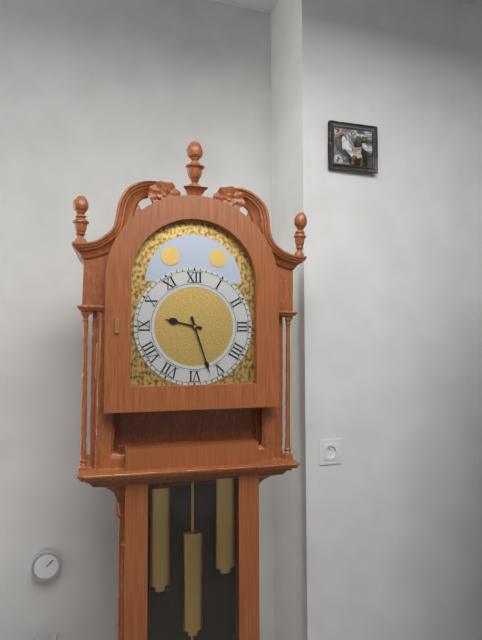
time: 9:27
